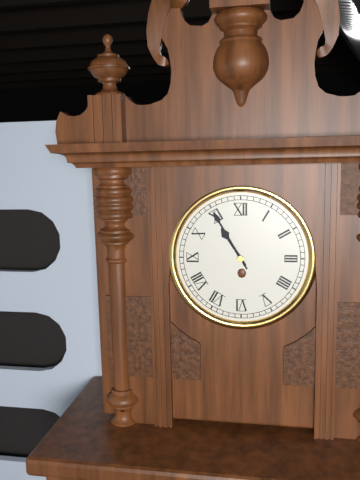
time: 10:55
